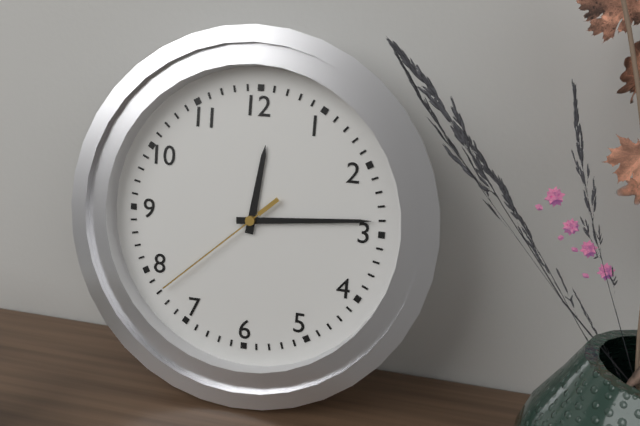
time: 12:14:38
